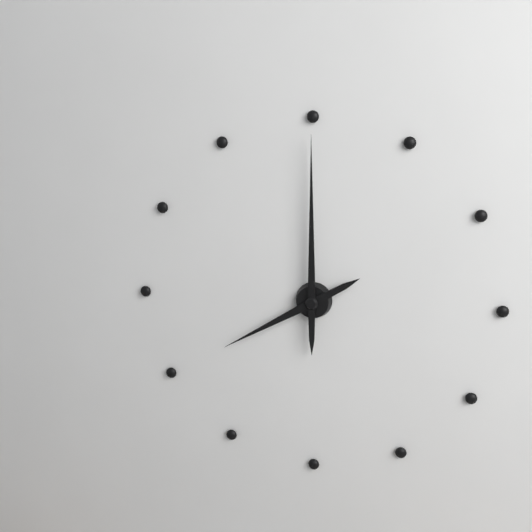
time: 8:00
